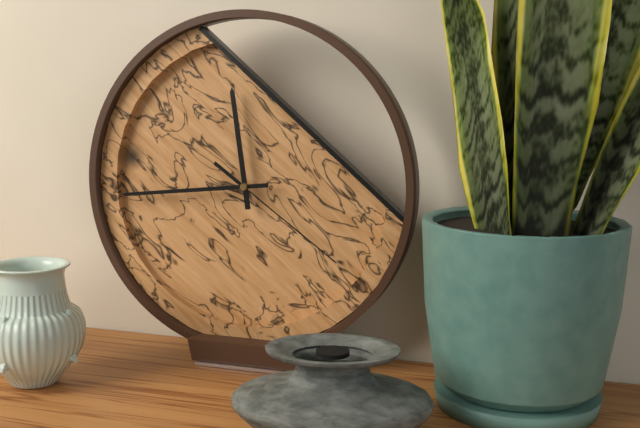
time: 11:44:21
